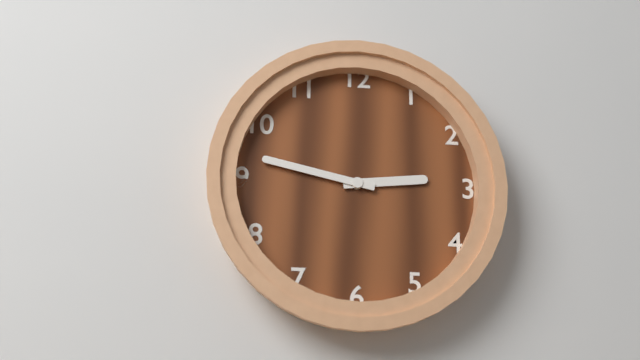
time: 2:47
